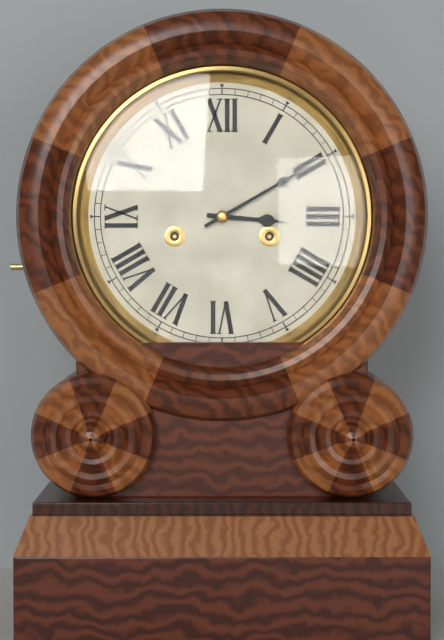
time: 3:10
